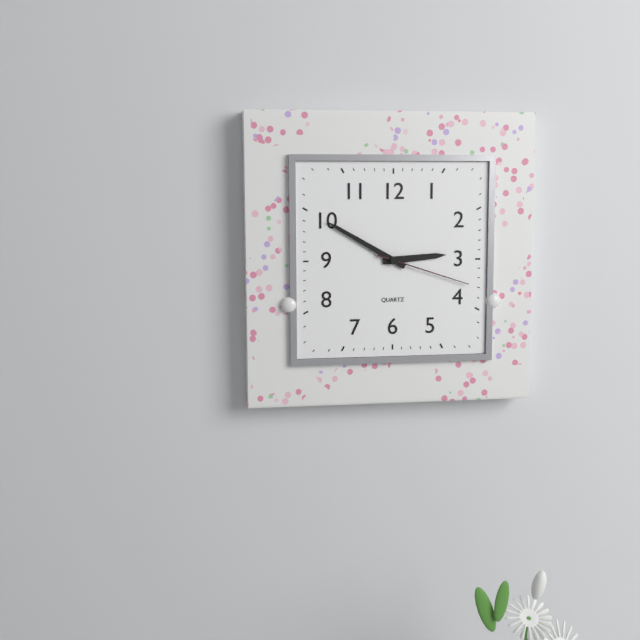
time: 2:50:18
